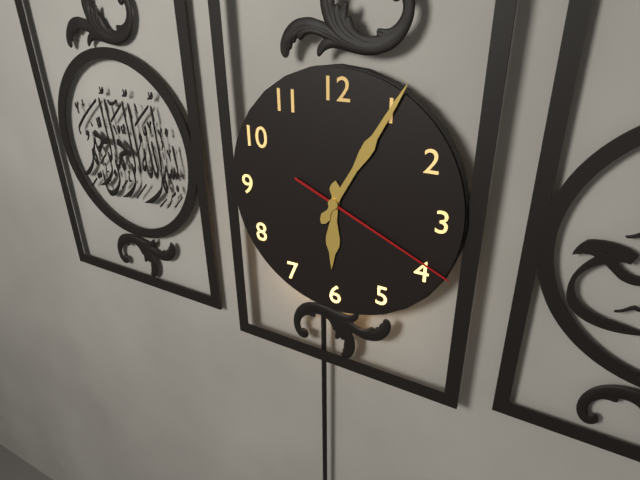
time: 6:05:19
